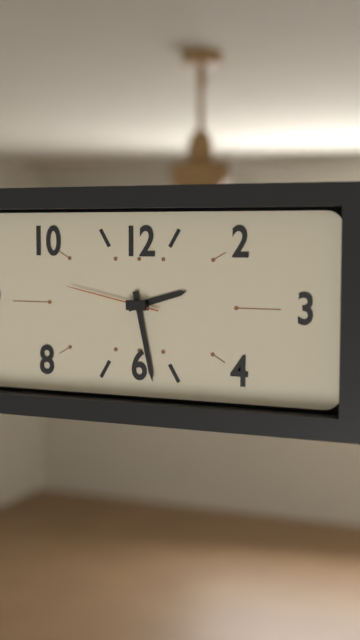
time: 2:28:47
